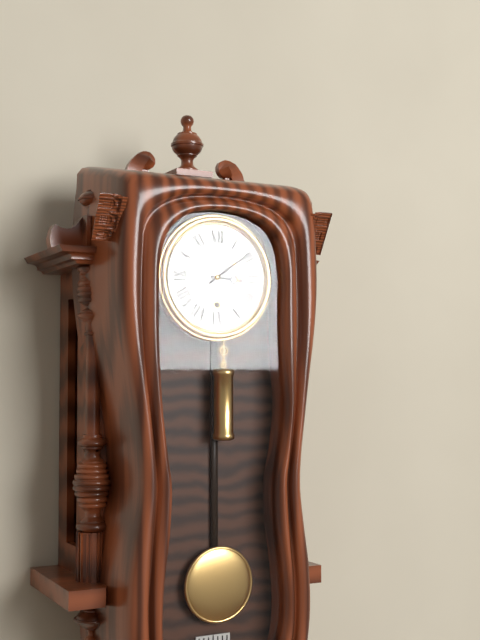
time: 3:09
